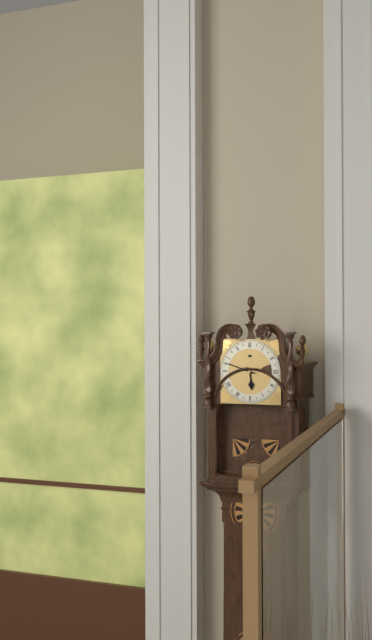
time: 5:48
